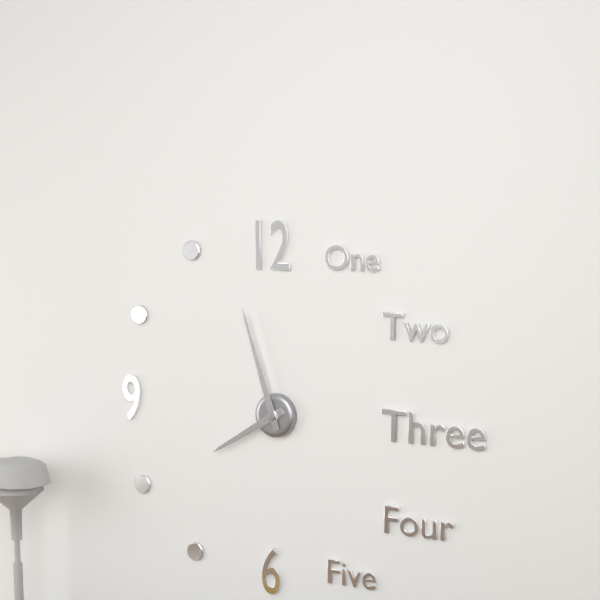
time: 7:57
